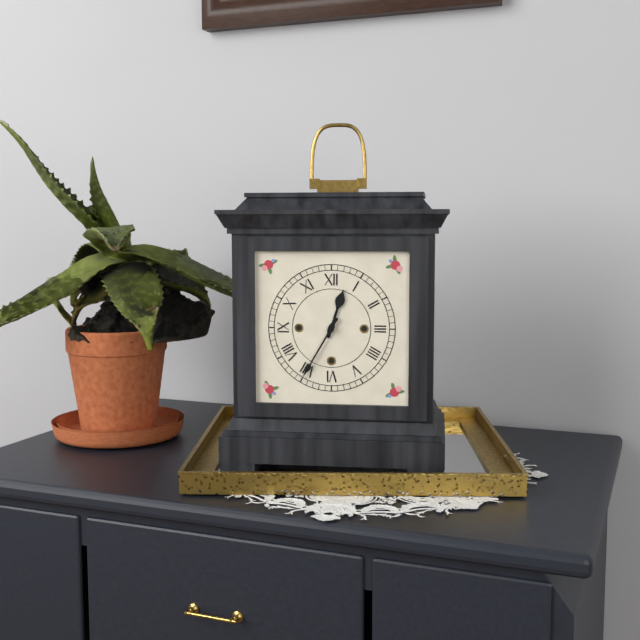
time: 12:35
